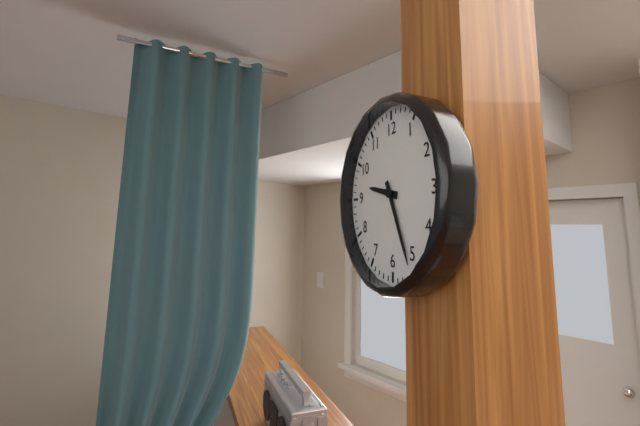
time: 9:26
